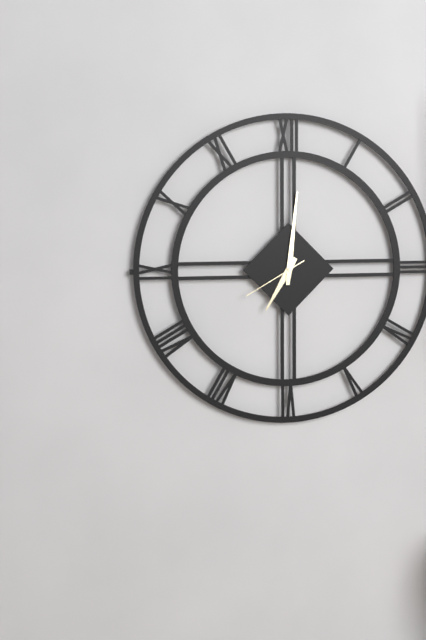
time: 7:01:40
